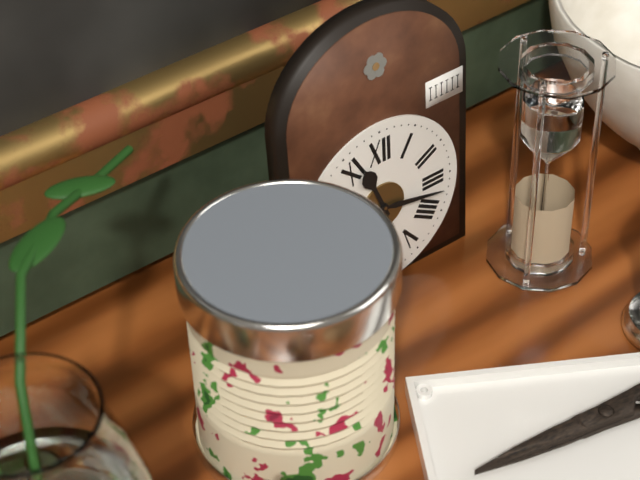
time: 11:17
